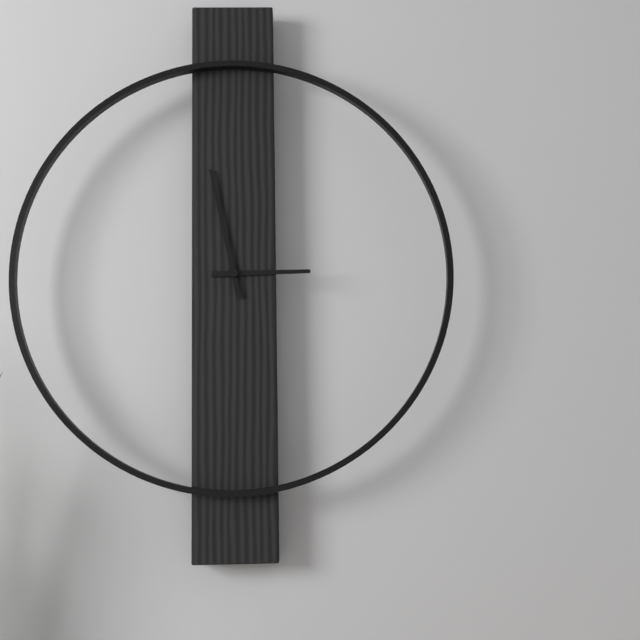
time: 2:58
